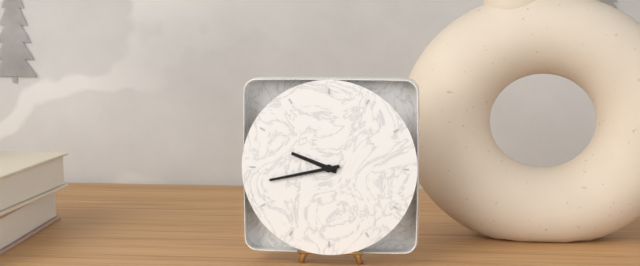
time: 9:43
